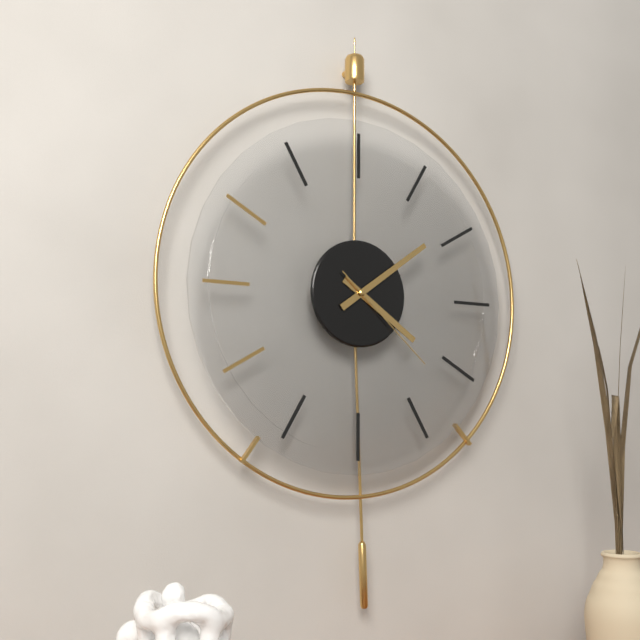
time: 4:09:22
